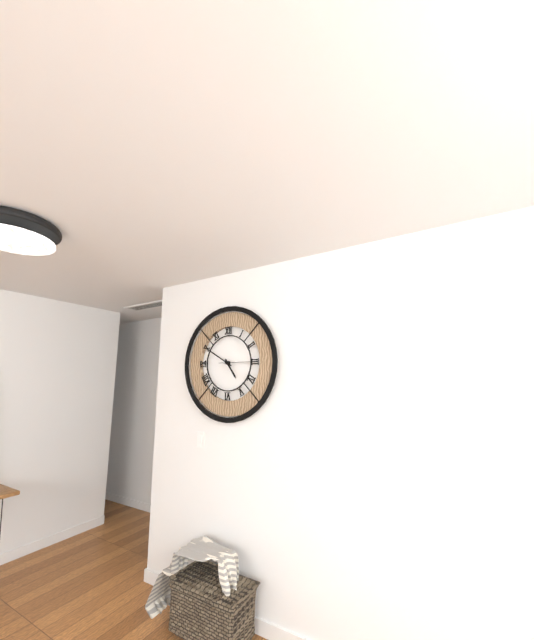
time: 4:50
